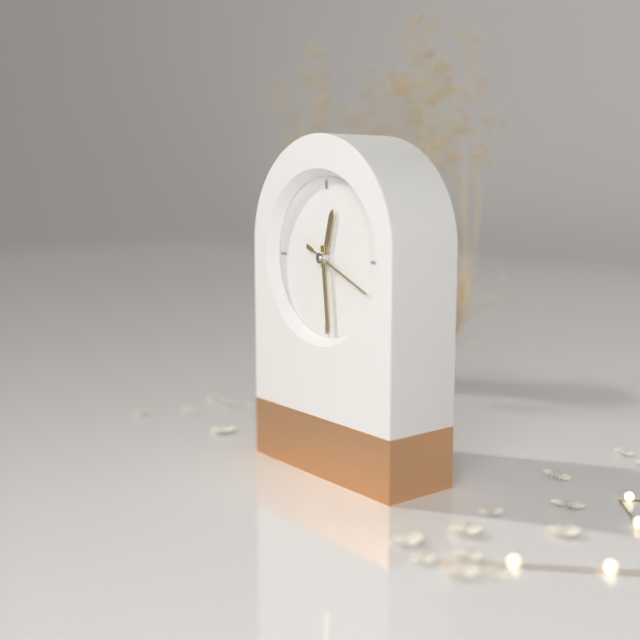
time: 12:29:19
